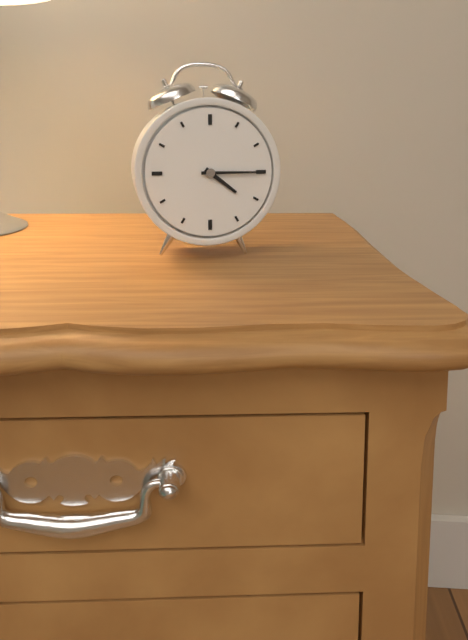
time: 4:15
